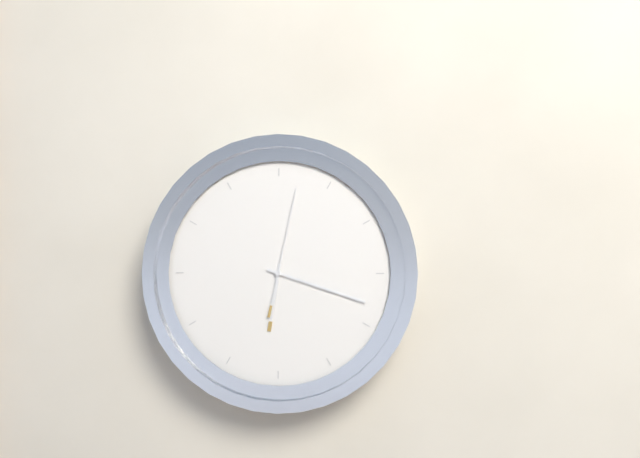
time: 6:18:02
